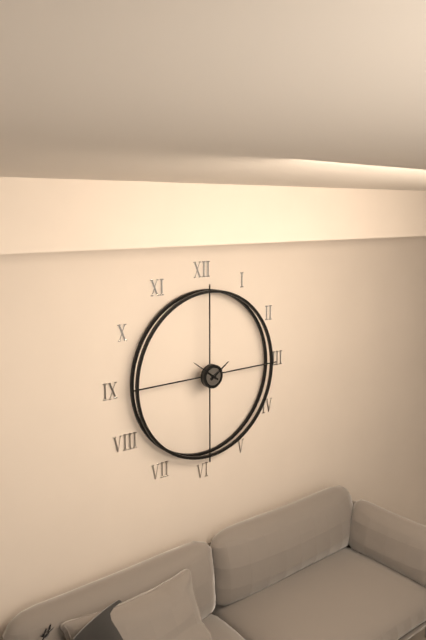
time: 1:51
